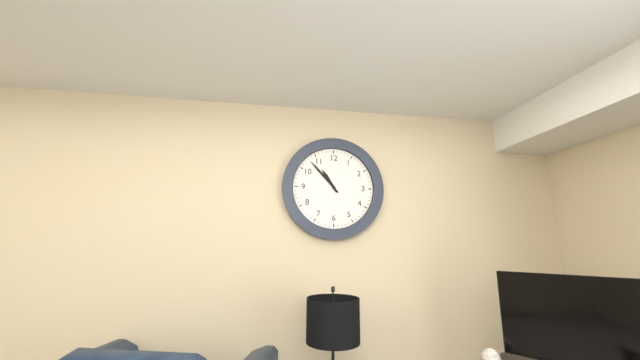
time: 10:53
